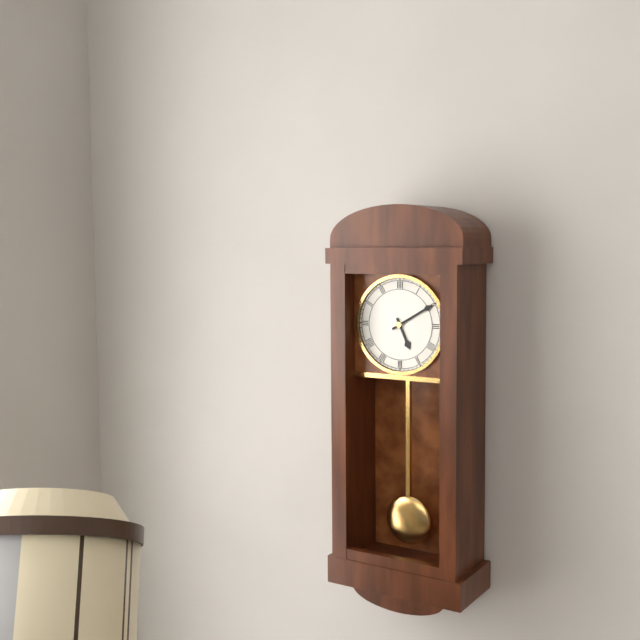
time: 5:10
